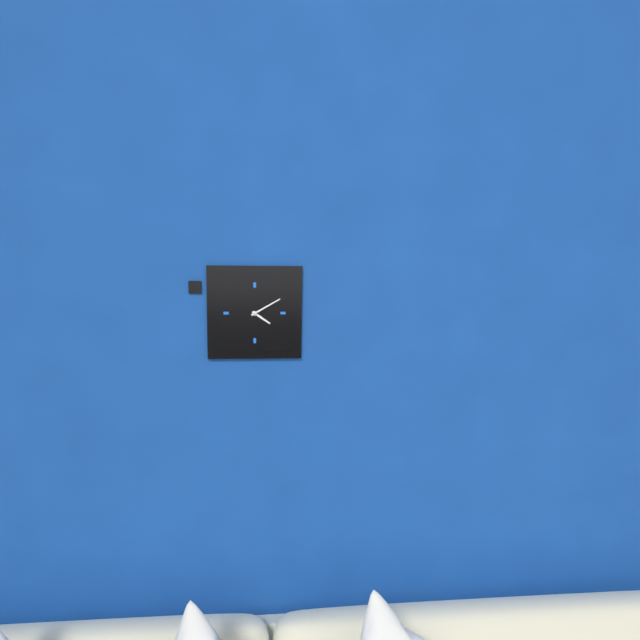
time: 4:10
